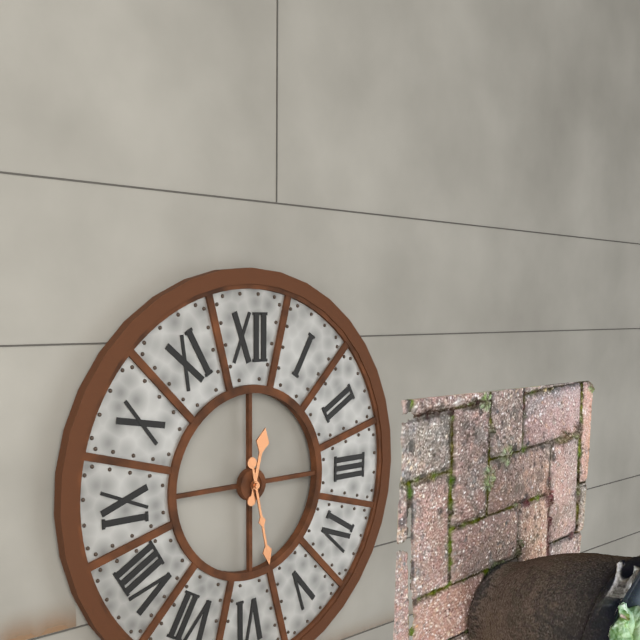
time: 12:28
